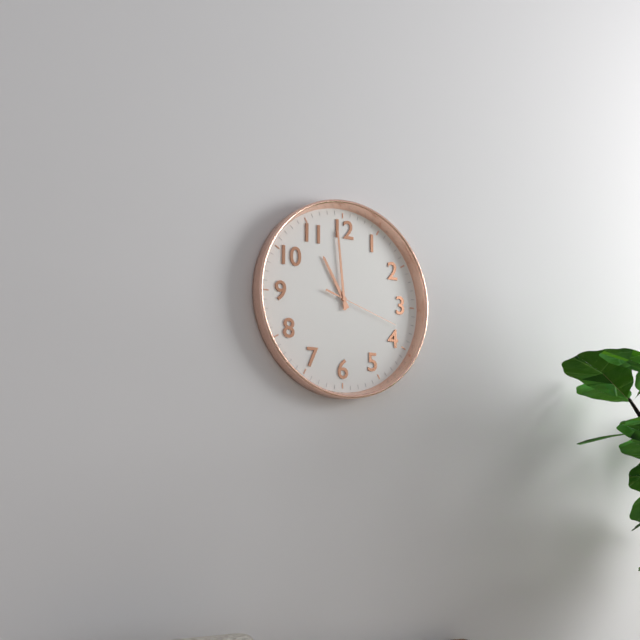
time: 10:59:18
